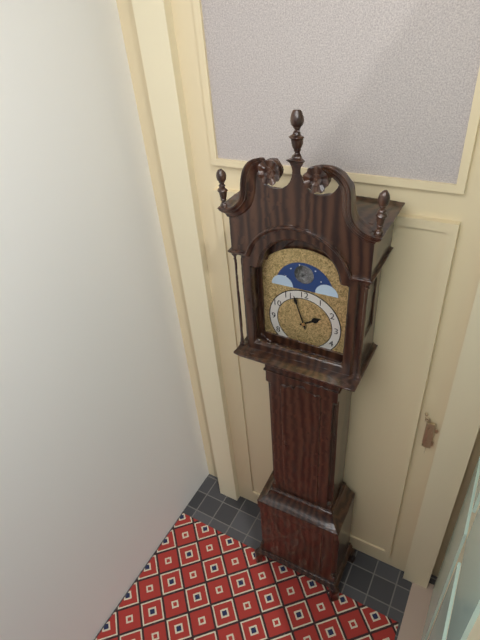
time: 1:57
